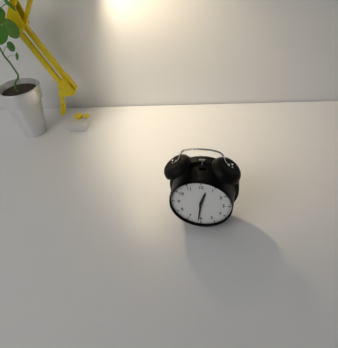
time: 12:31
